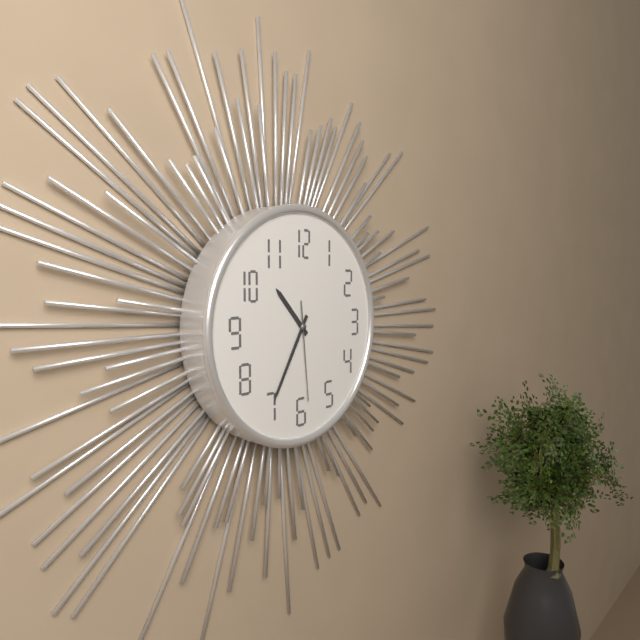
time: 10:35:29
